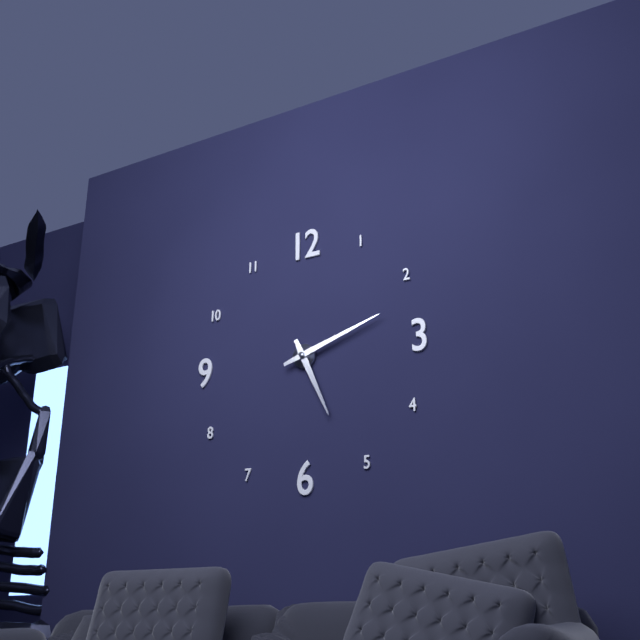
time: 5:12
